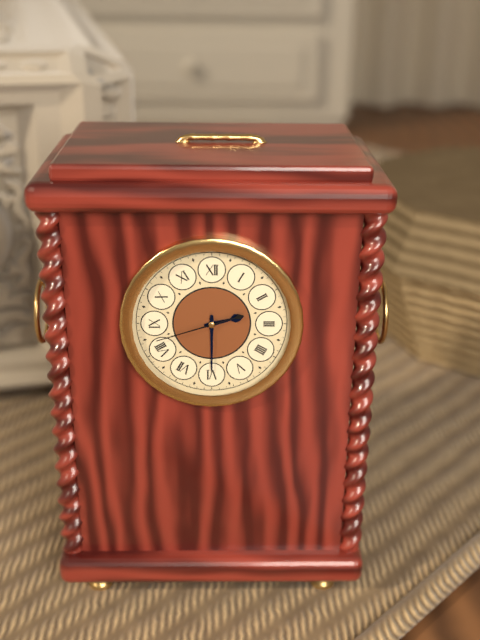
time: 2:30:42
